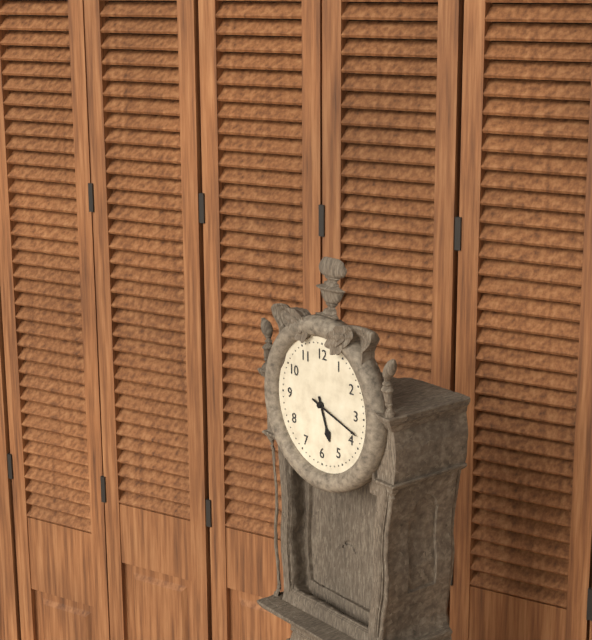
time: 5:18
